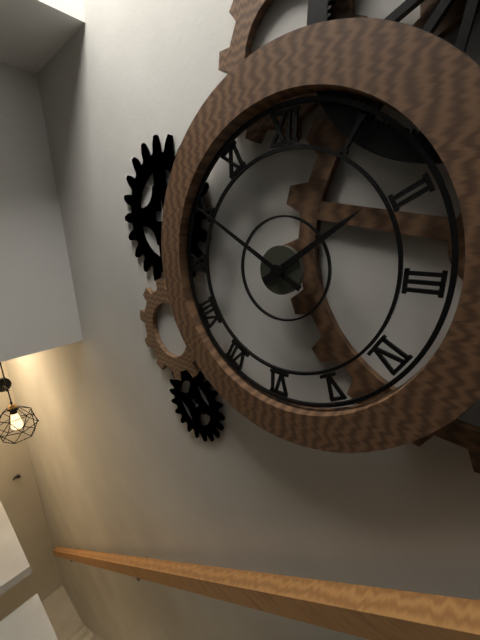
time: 1:50
